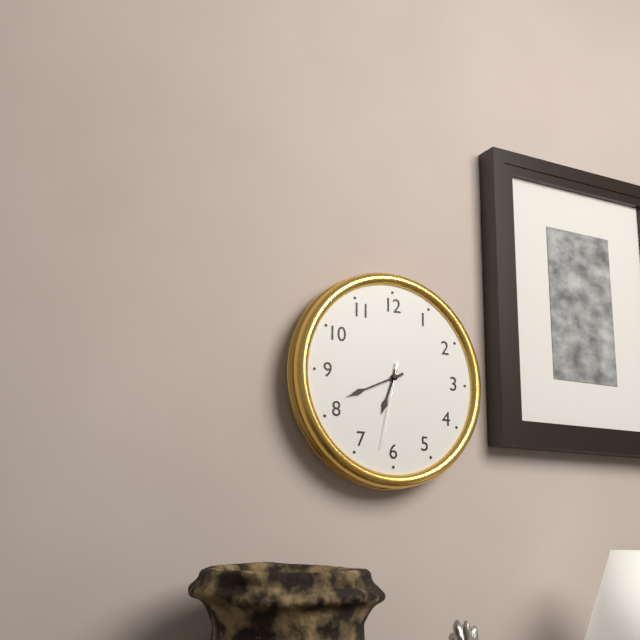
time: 6:41:32
